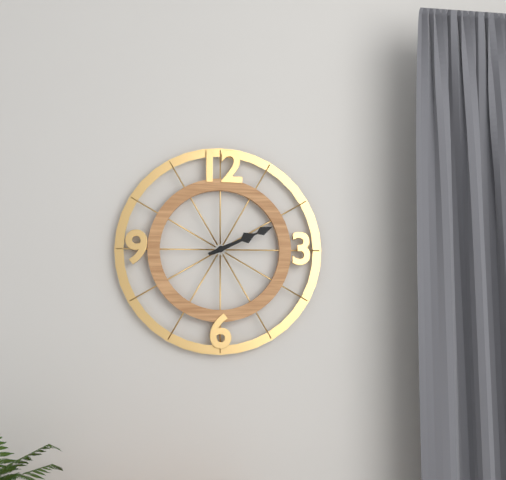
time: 2:11
